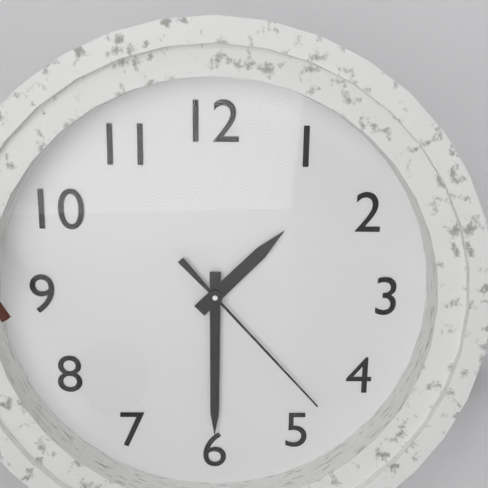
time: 1:30:23
